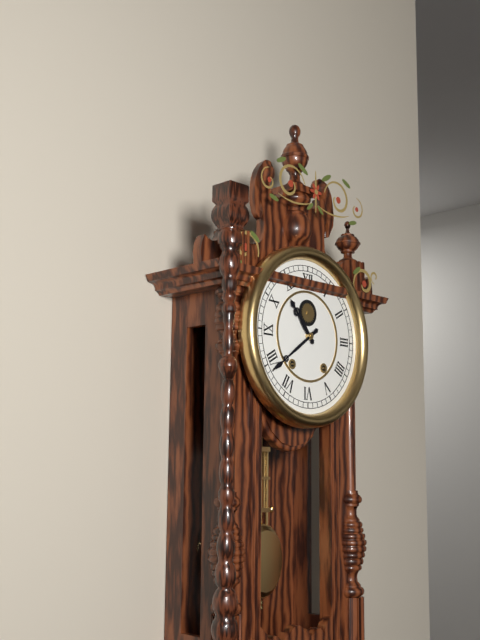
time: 10:39
